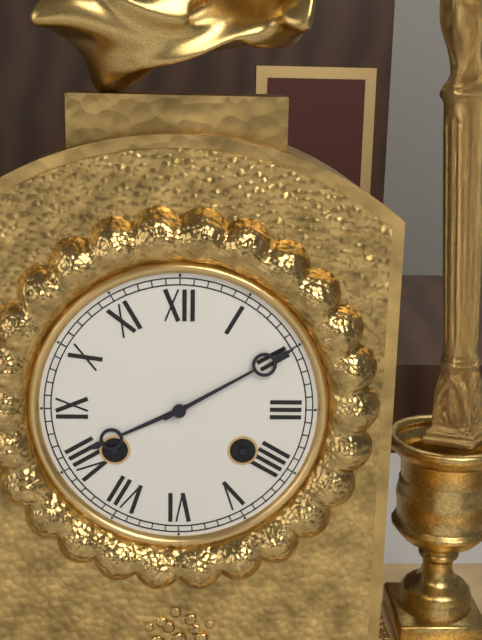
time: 8:10
